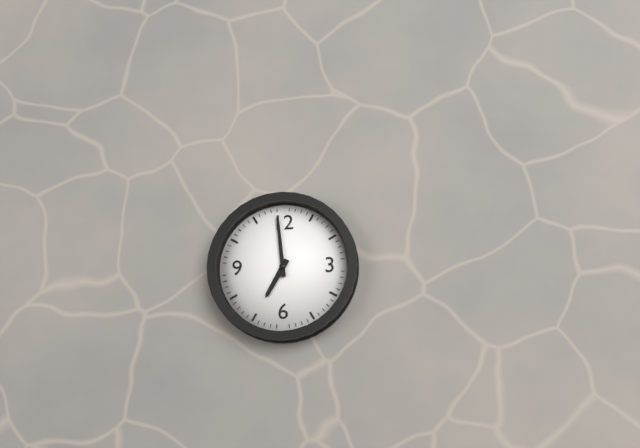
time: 6:59
